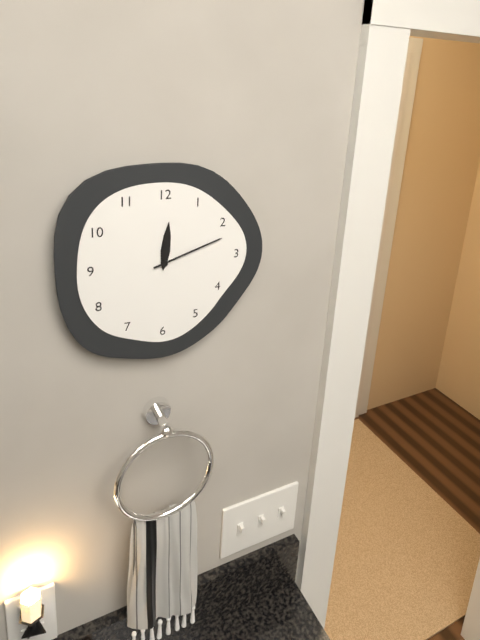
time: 12:12
